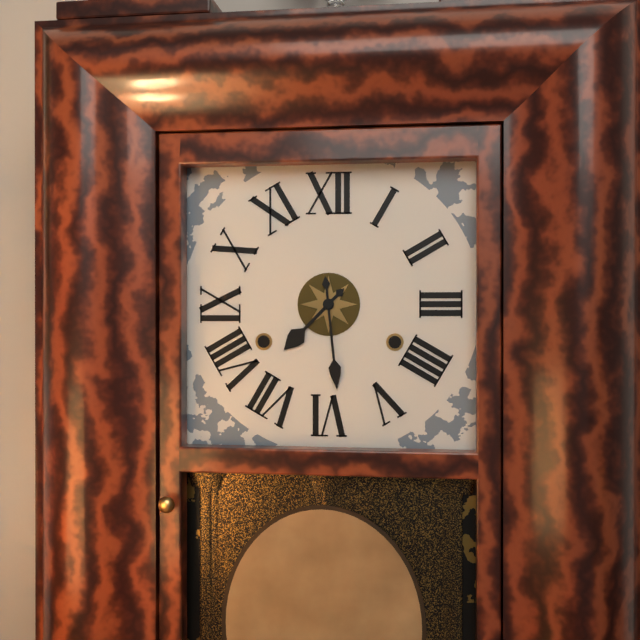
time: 7:29
